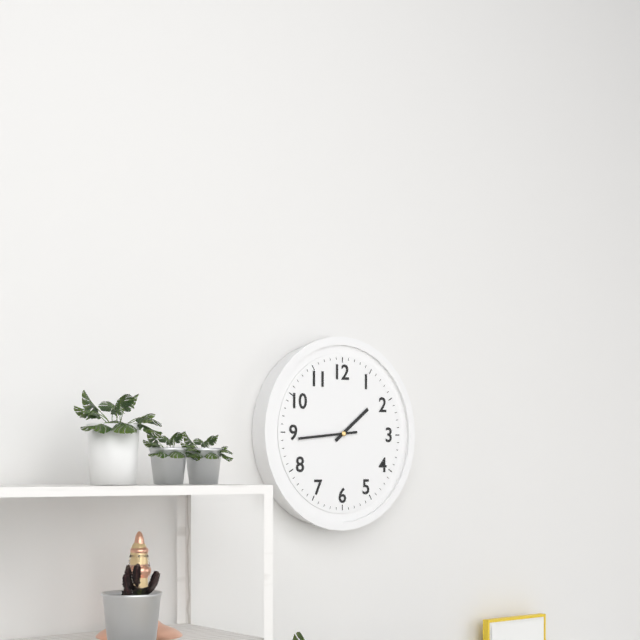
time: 1:44
